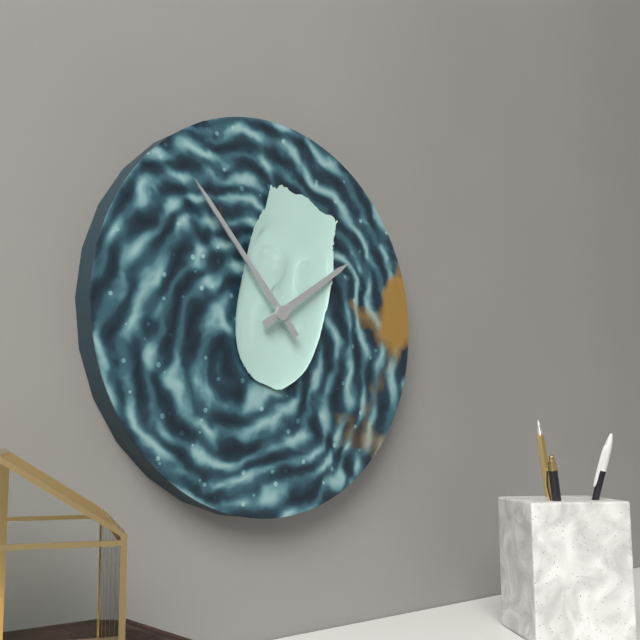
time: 1:53
